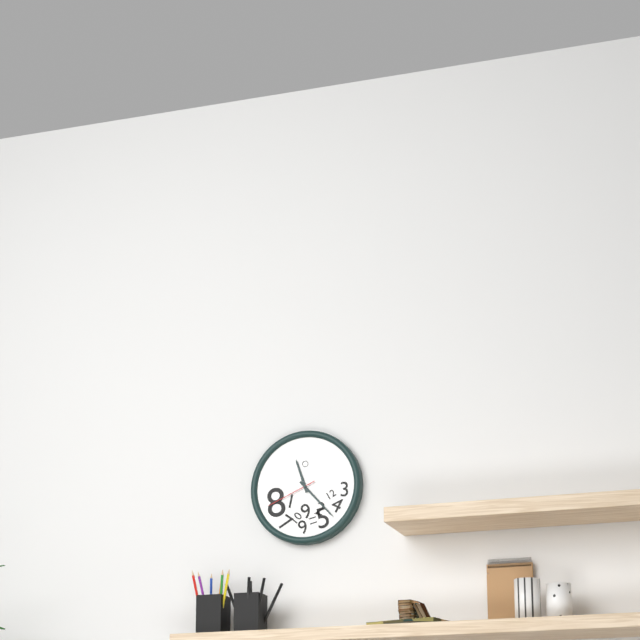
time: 11:23:41
